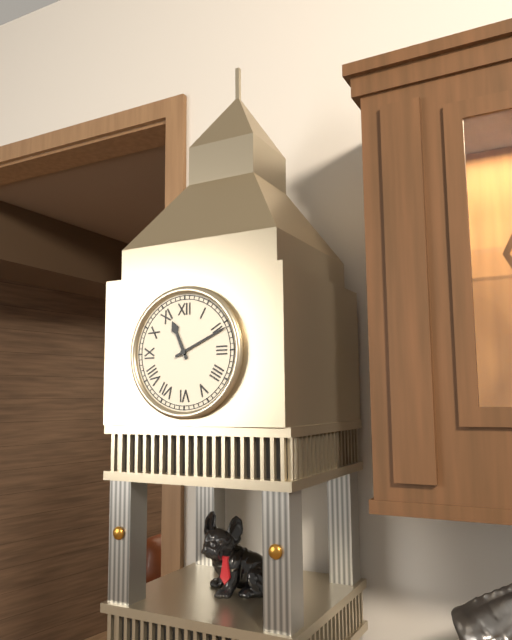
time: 11:11
